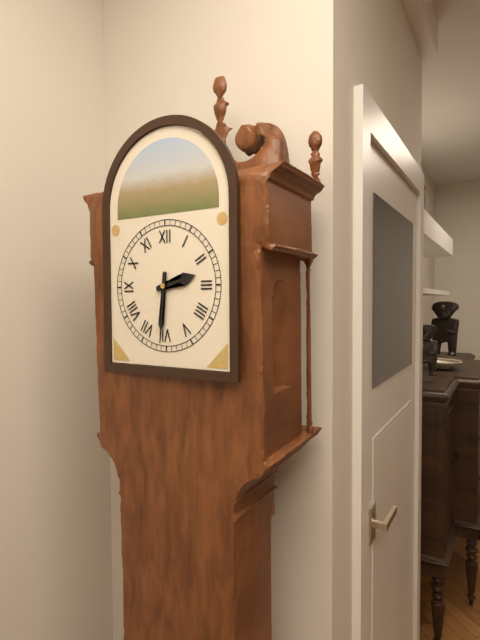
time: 2:31
